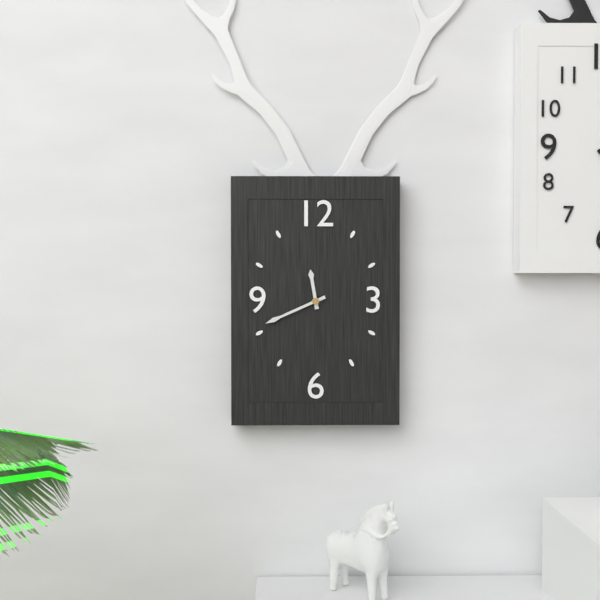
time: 11:41
